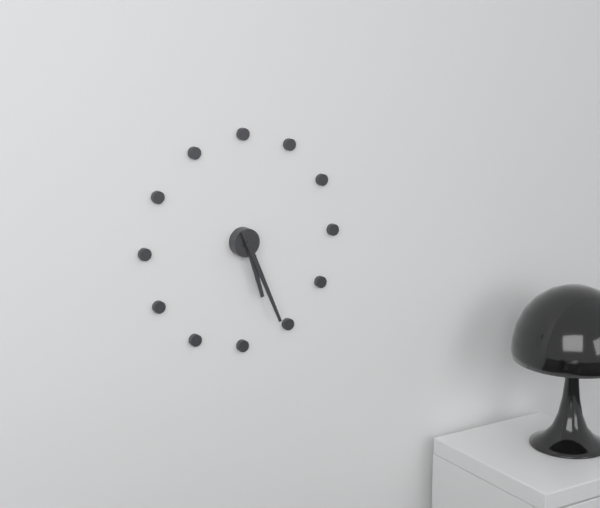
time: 5:26
